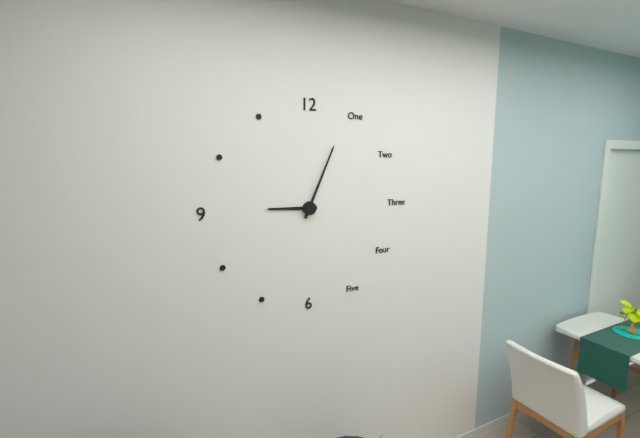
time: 9:04
